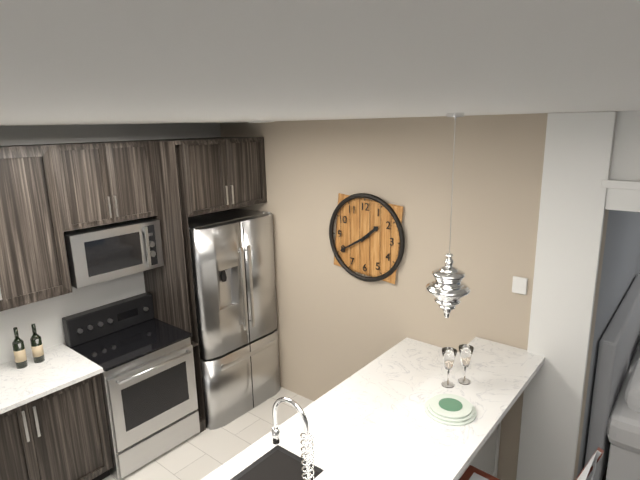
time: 1:40
